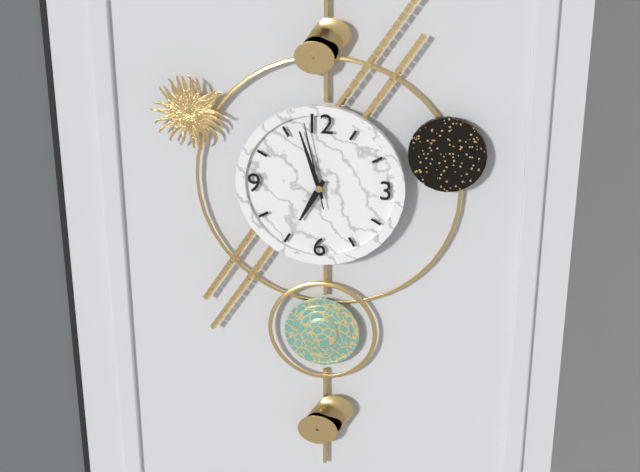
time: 6:57:58
